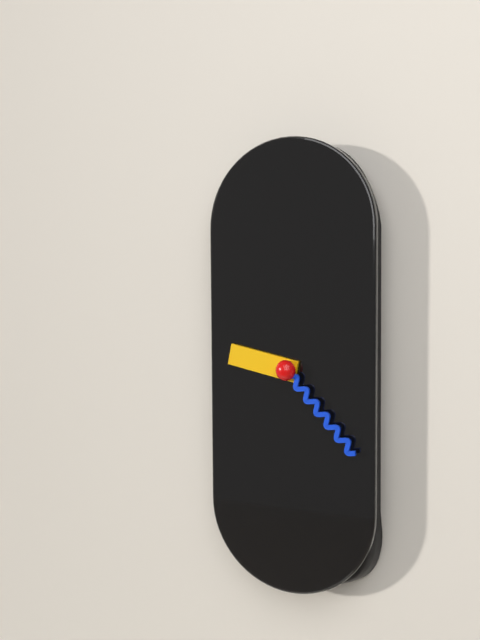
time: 9:23
